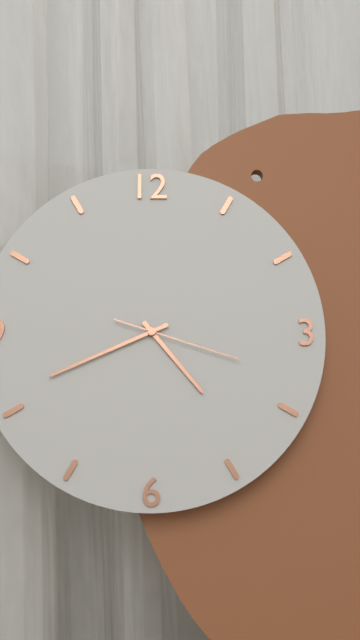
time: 4:41:18
